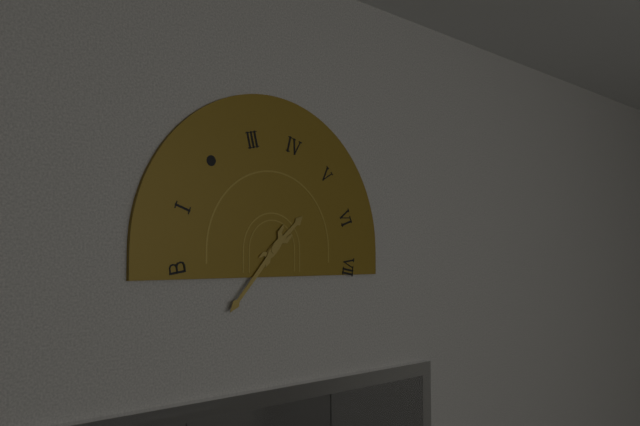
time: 1:37
